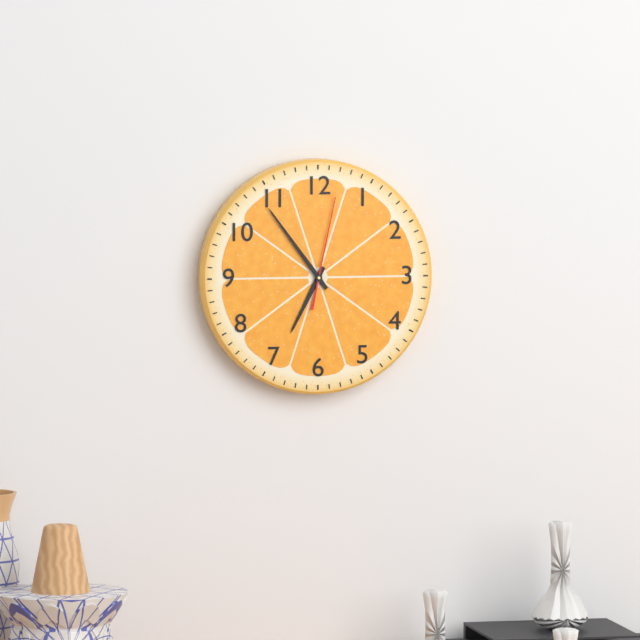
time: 6:54:02
